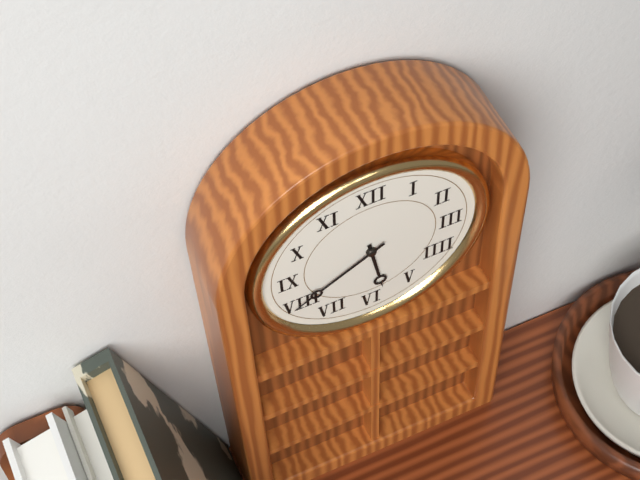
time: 5:40
